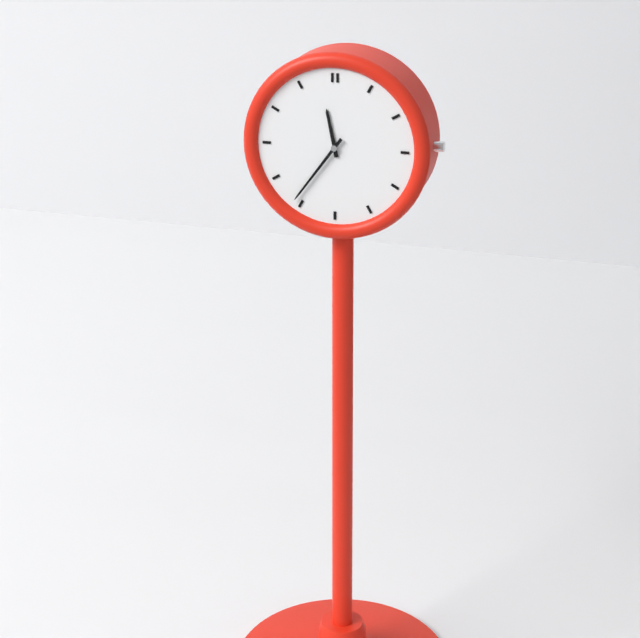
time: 11:36
